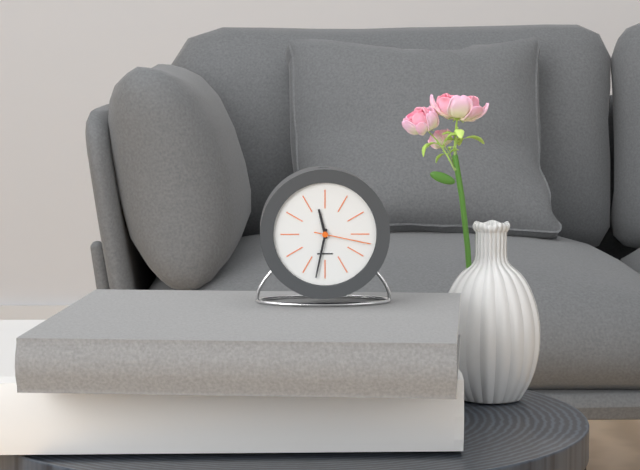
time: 11:32:17
